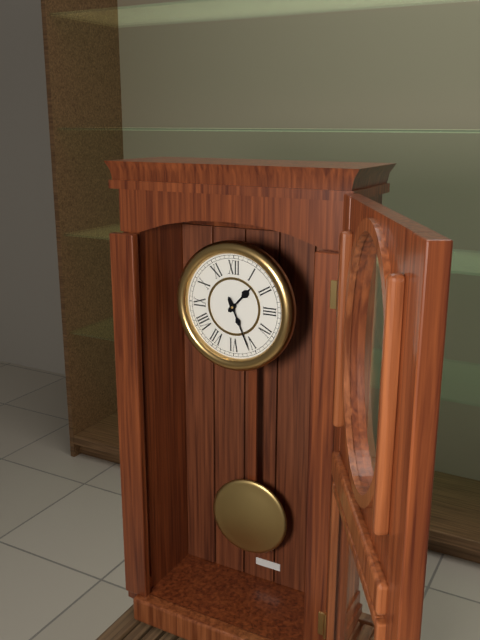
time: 1:26
